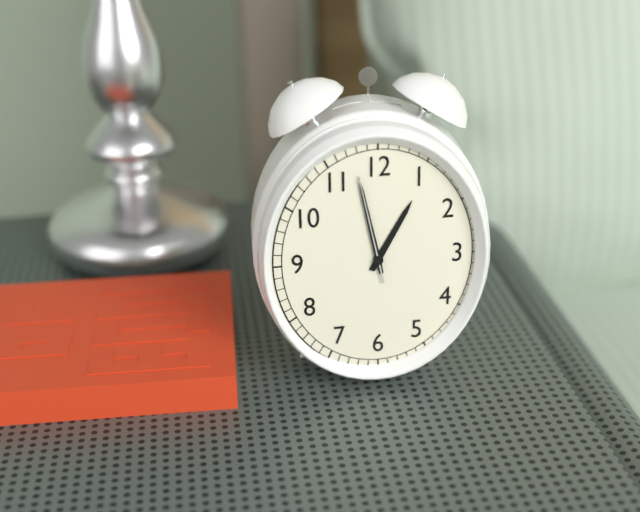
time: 12:58:58
